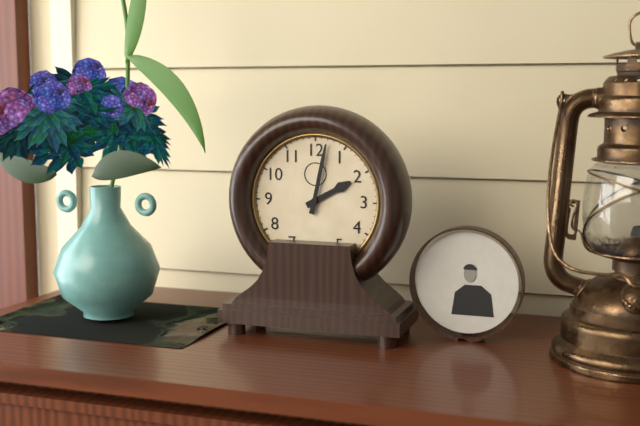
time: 2:02
